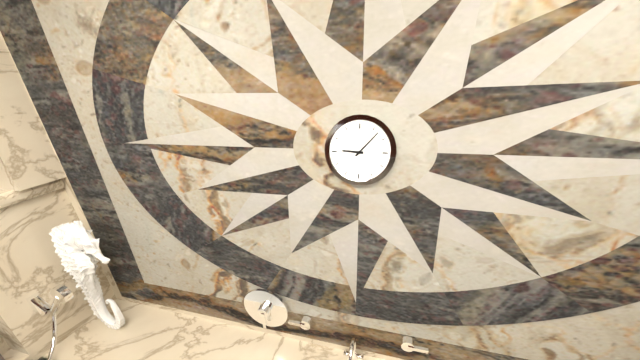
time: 9:07
